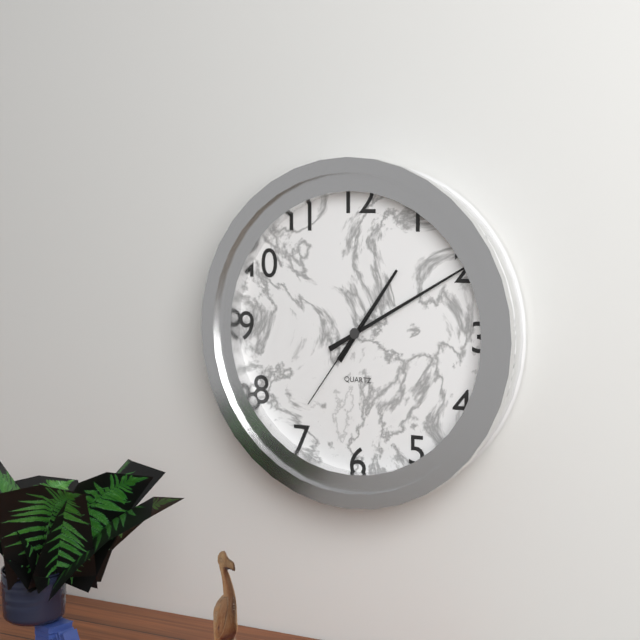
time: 1:10:36
